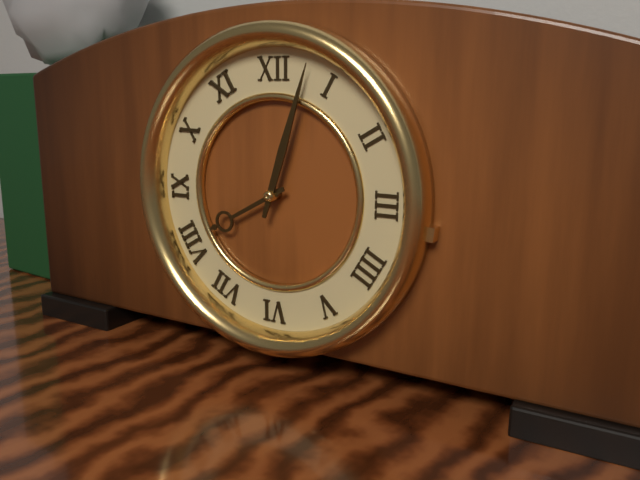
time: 8:03
